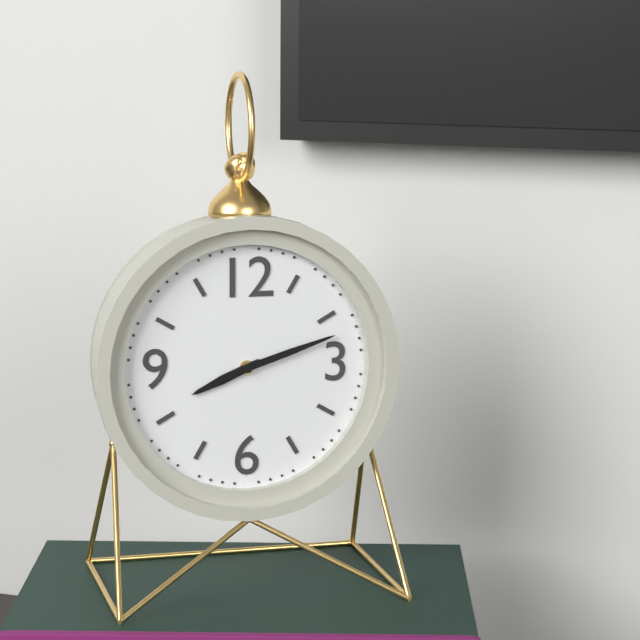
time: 8:12
